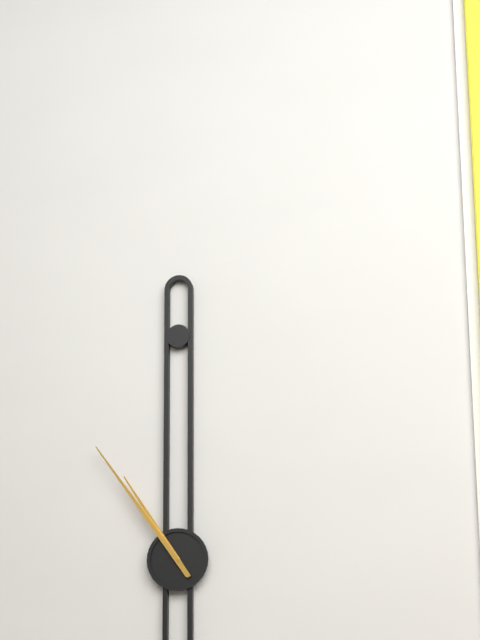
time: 10:54
